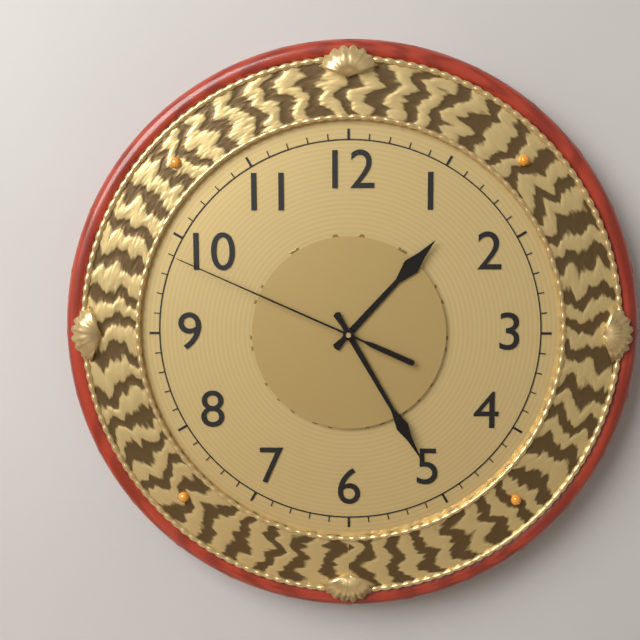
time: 1:25:49
